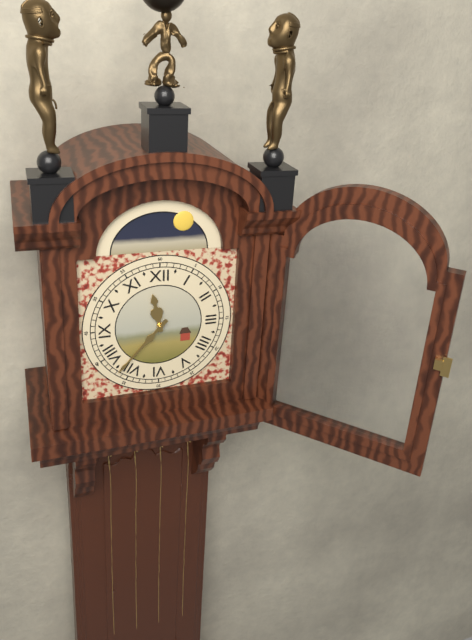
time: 11:37
